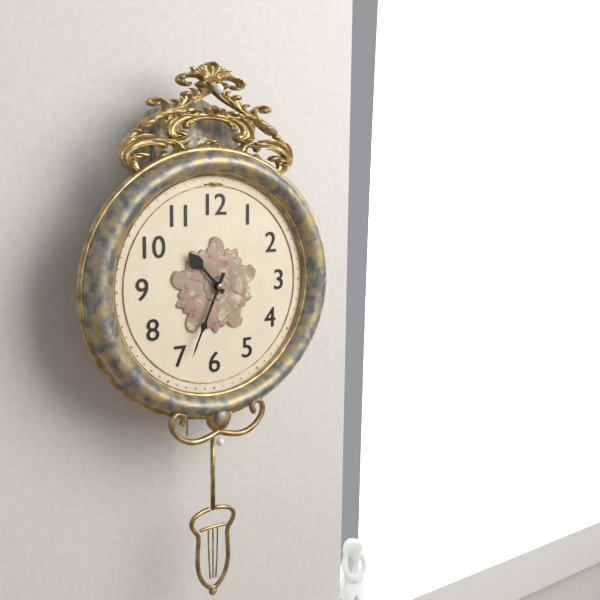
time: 10:34
